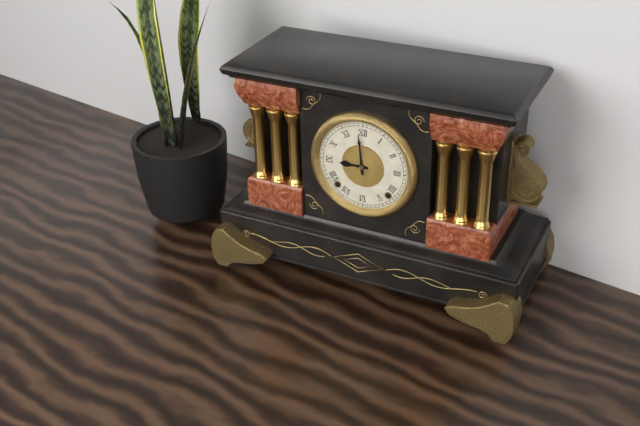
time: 8:59
